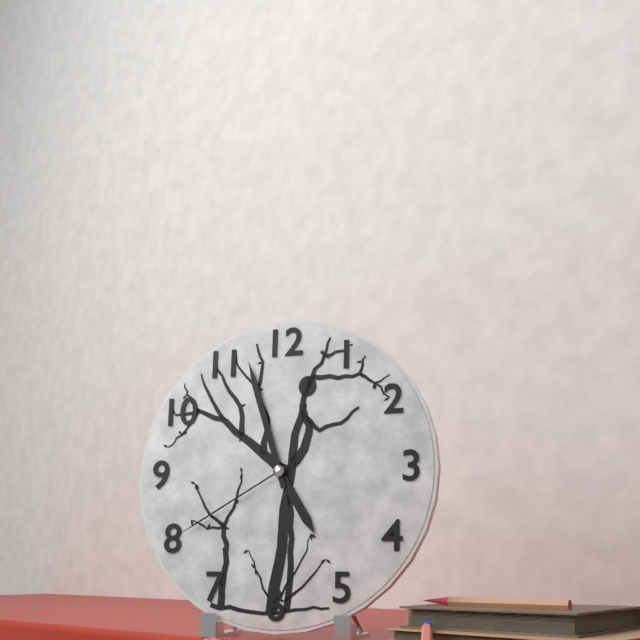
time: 4:57:40
